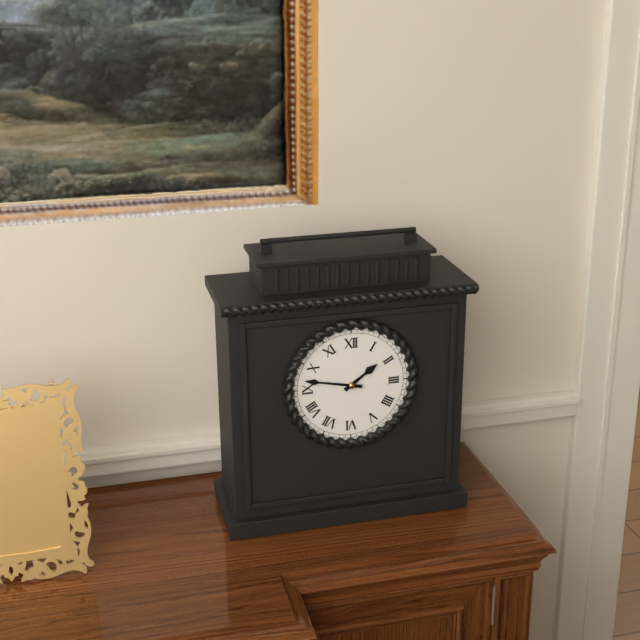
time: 1:47
